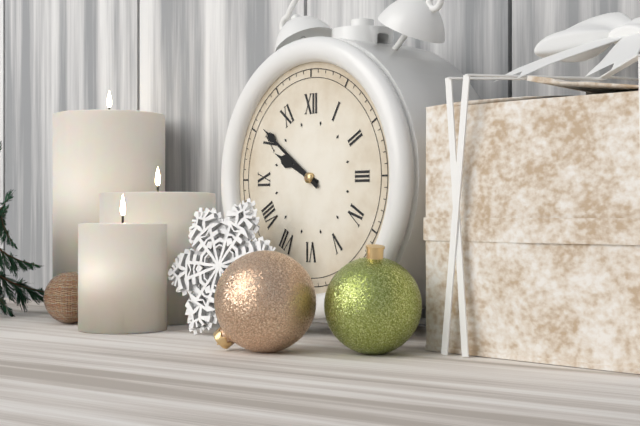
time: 9:51
